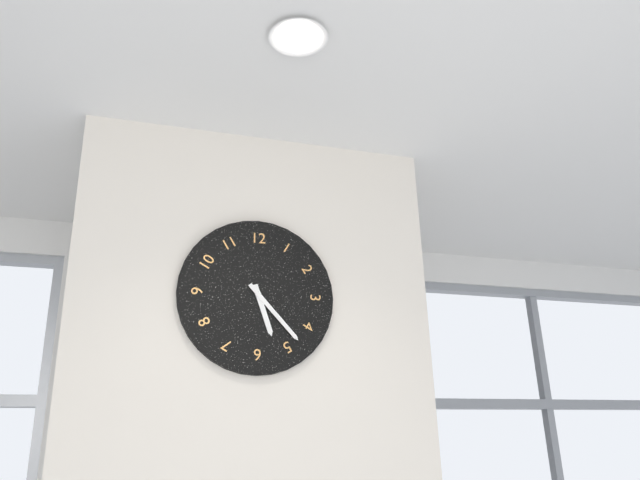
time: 5:23
